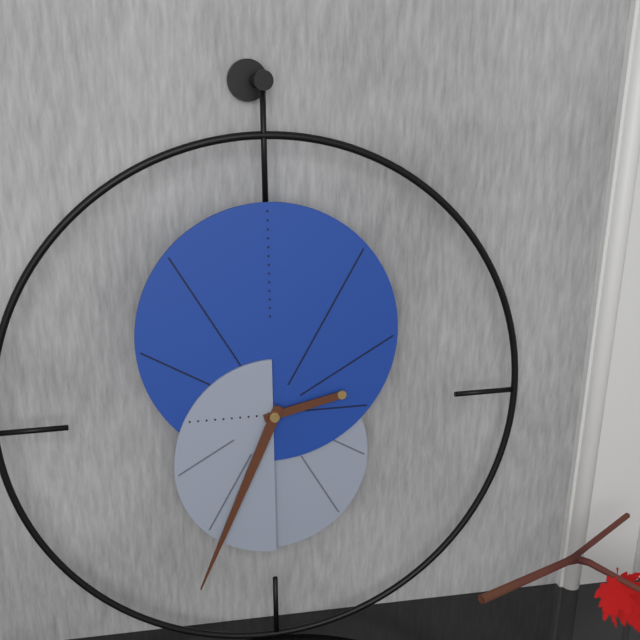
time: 2:34
